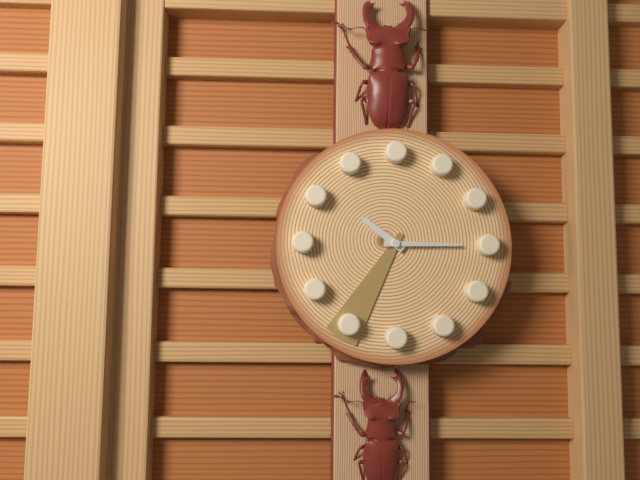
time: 10:15:35
